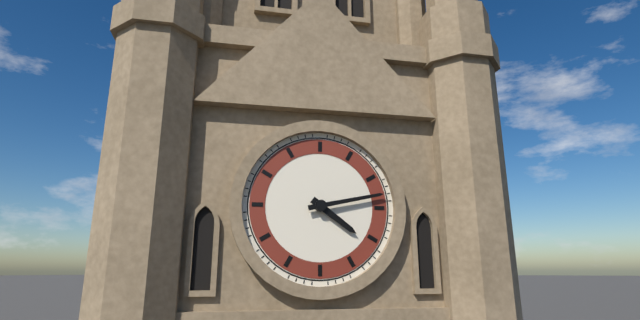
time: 4:13
